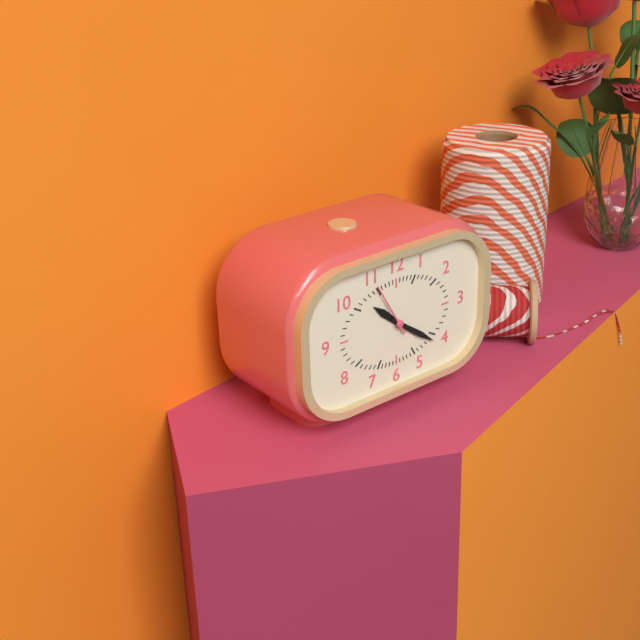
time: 10:21:55
